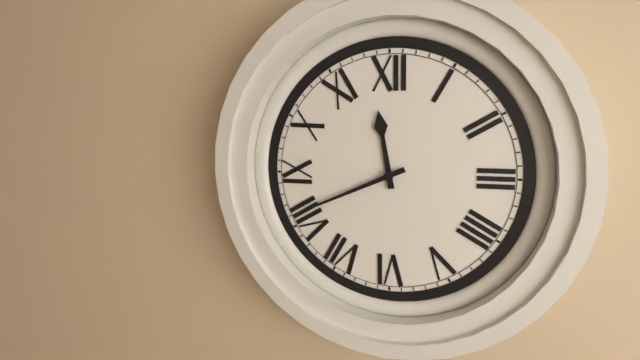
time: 11:41
